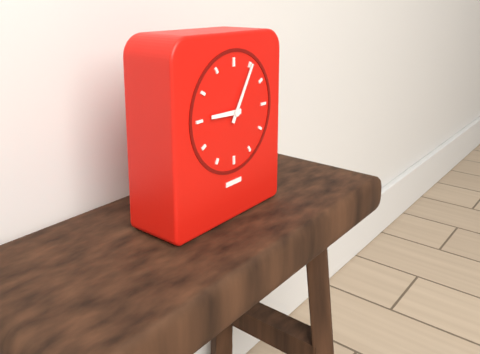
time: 9:05
